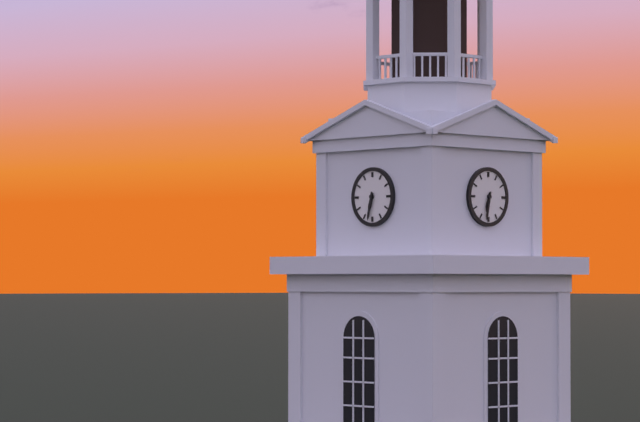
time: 6:32
